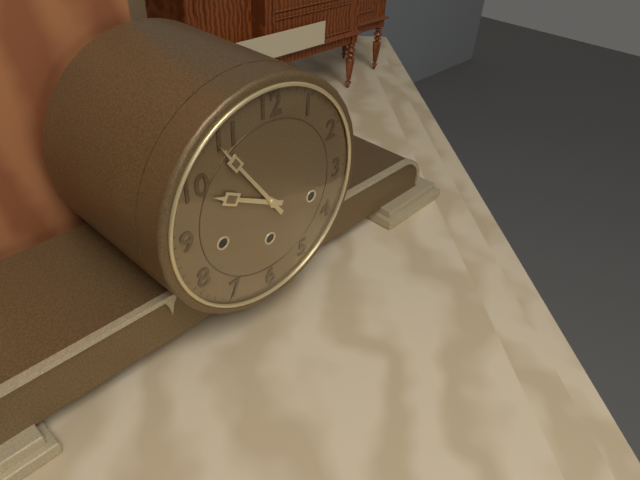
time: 9:54
